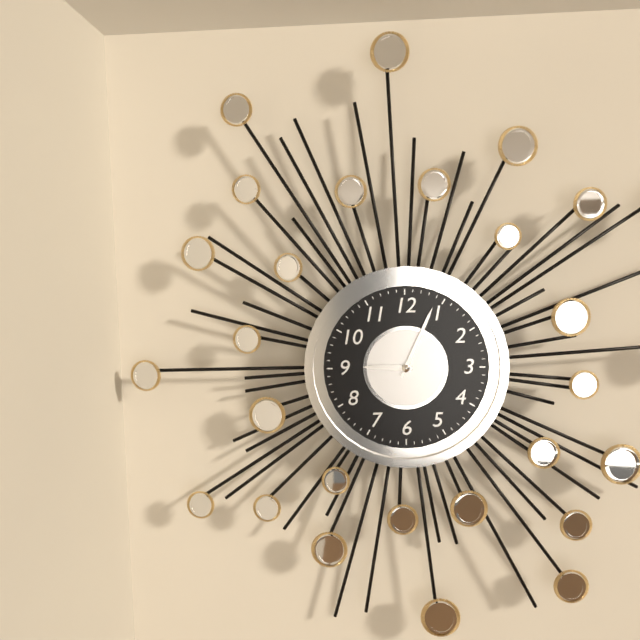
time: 9:04
